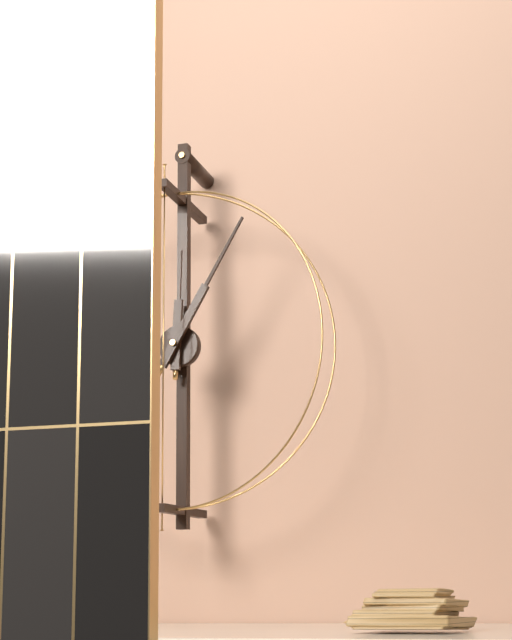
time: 12:05
